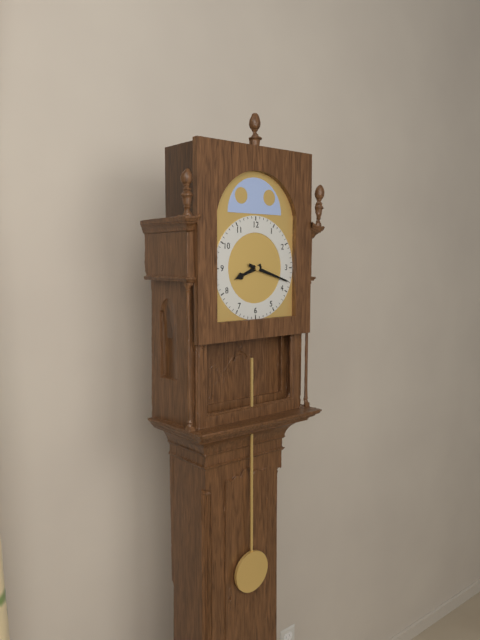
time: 8:18
